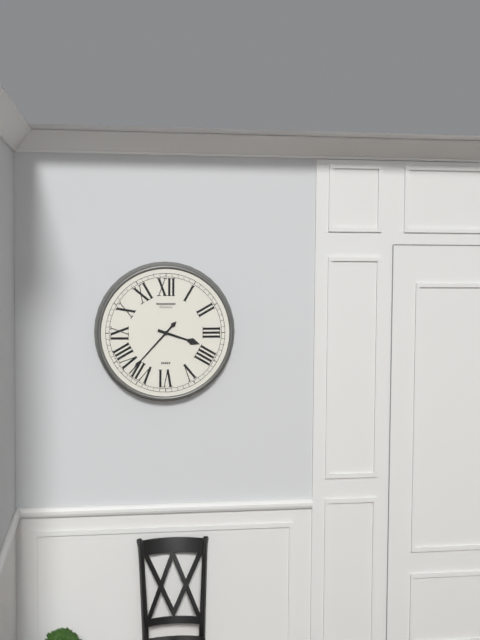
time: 3:37
